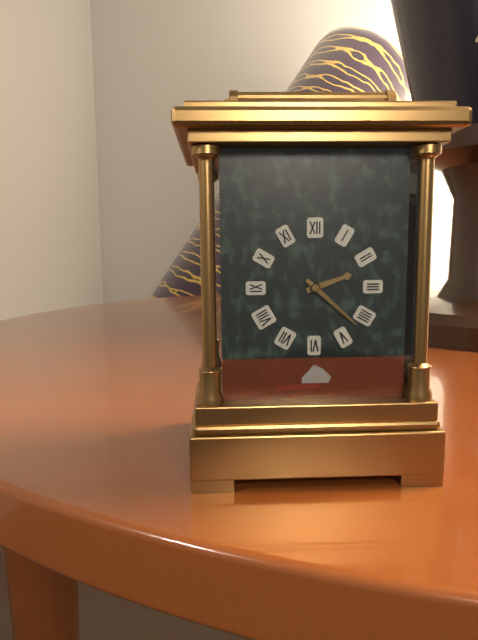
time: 2:22
